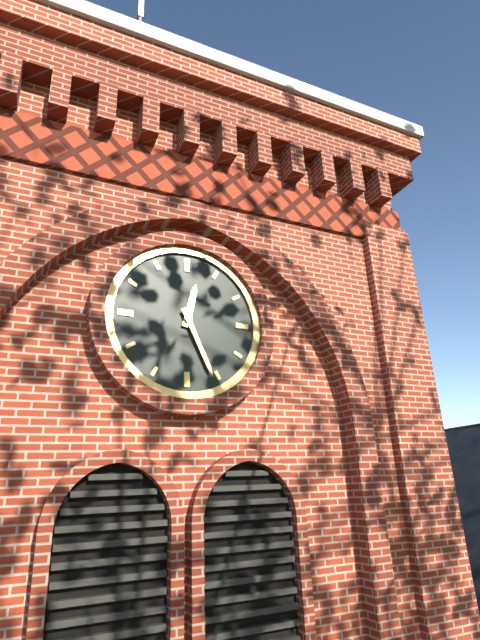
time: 12:26
